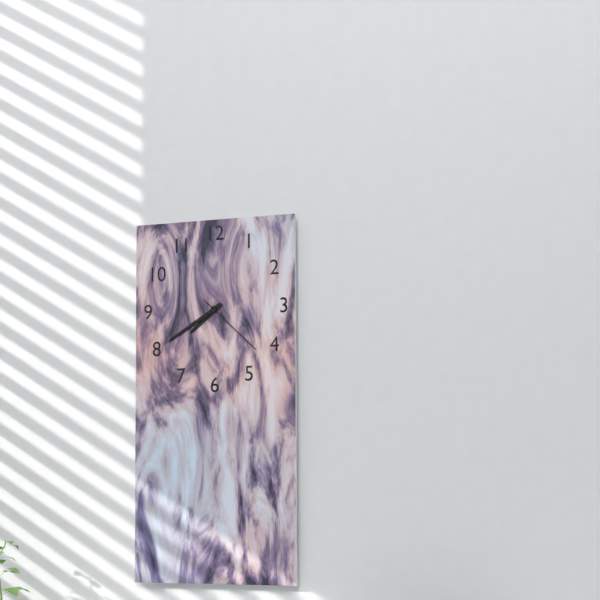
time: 7:40:22
